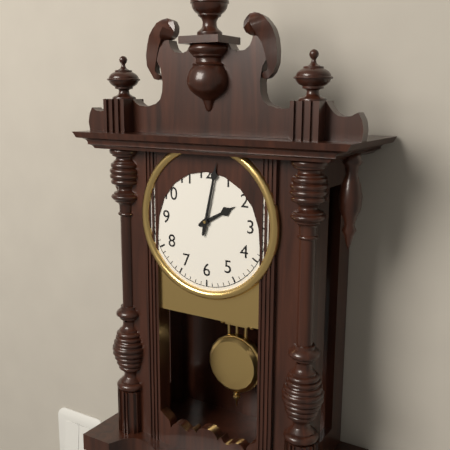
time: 2:02
